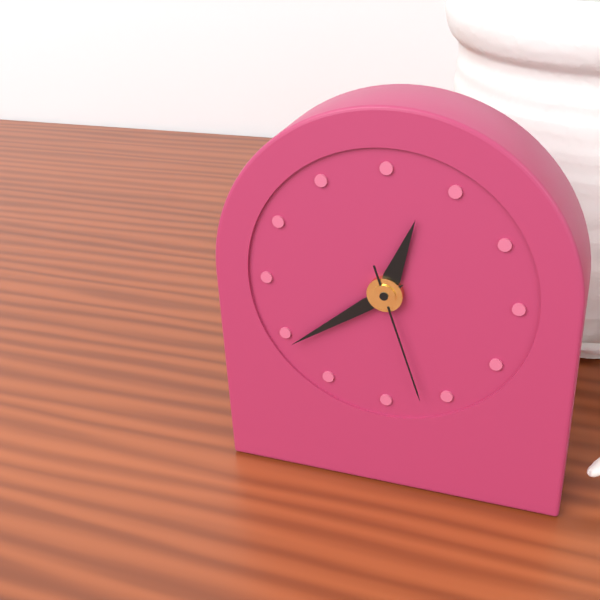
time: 12:39:27
